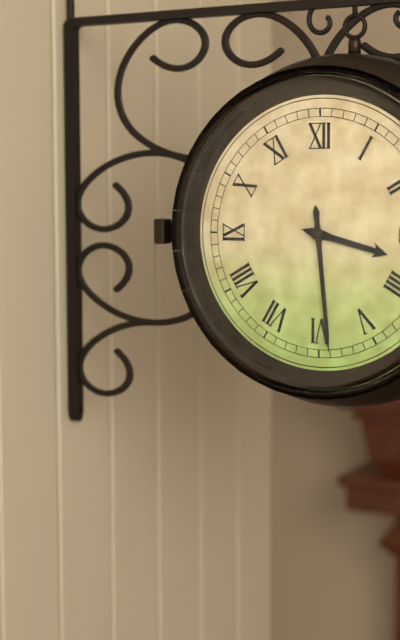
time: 3:29
